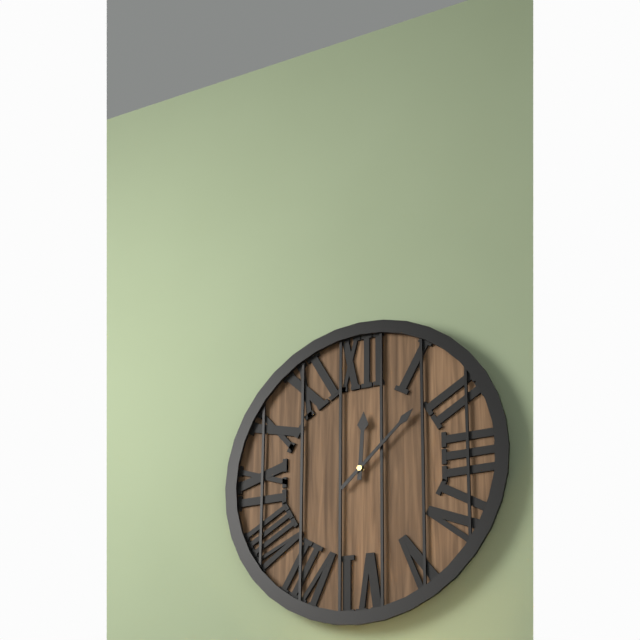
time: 12:08
